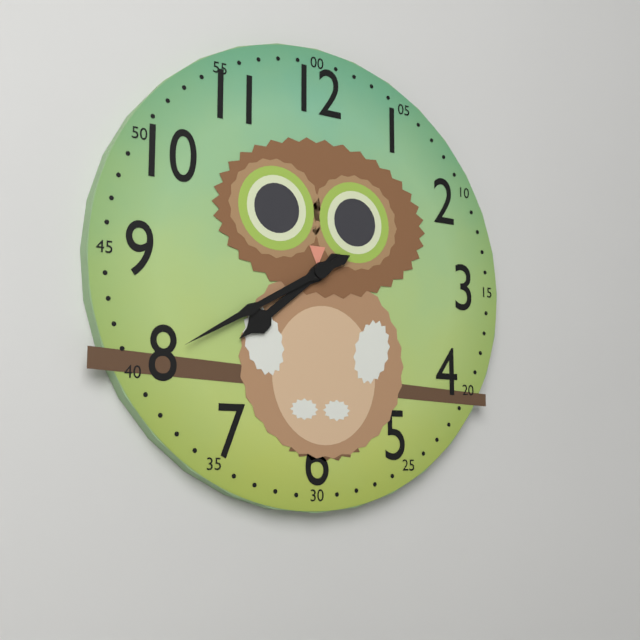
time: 7:40
